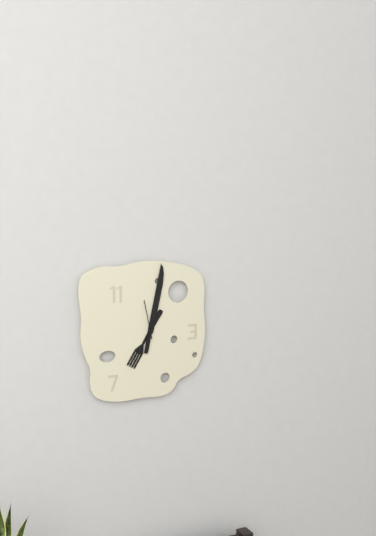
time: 7:02
